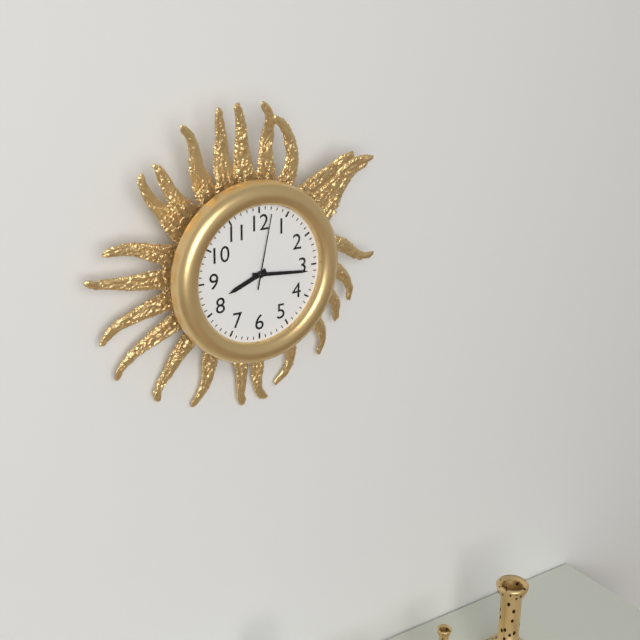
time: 8:16:02
